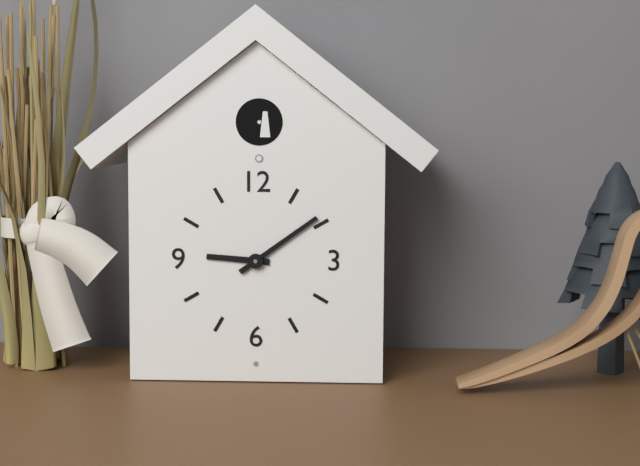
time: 9:09
